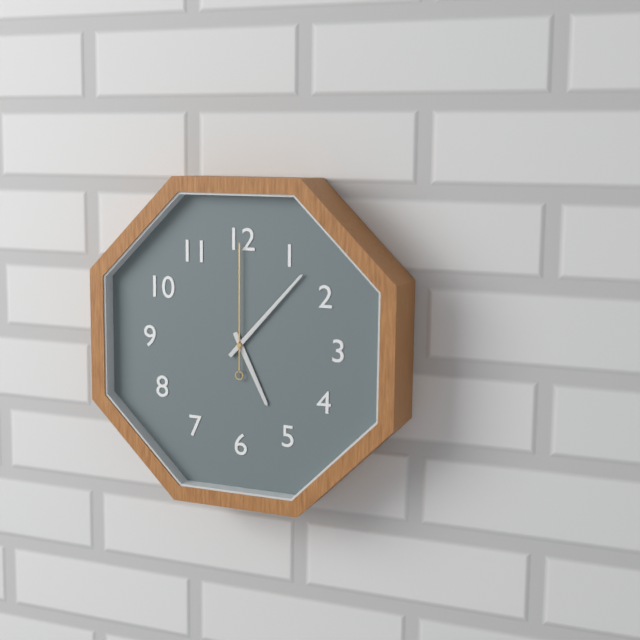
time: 5:07:00
